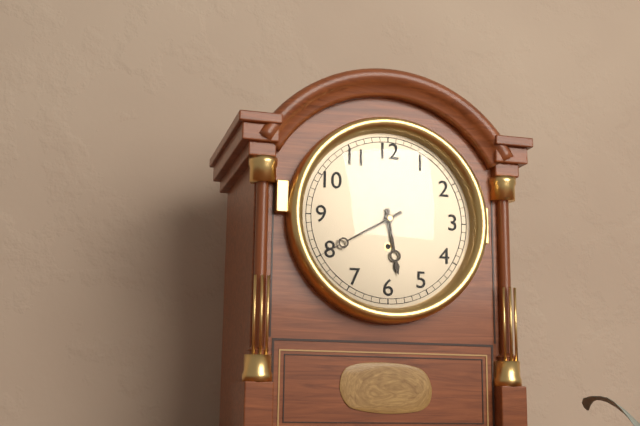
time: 5:40
